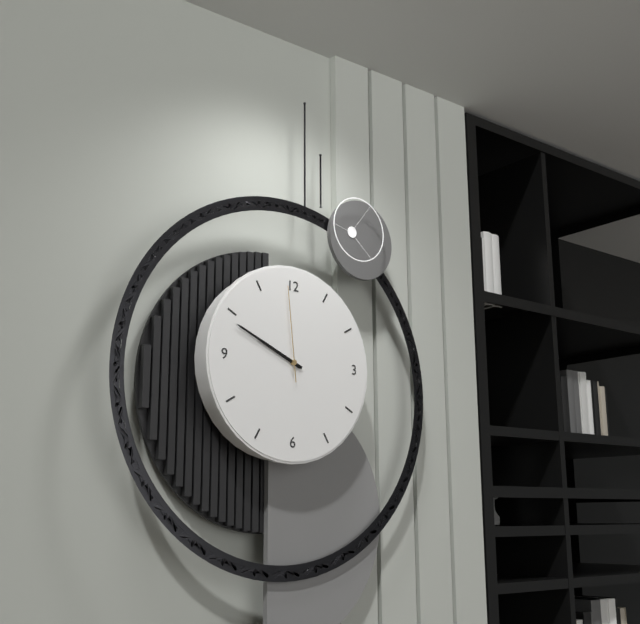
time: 9:49:59
